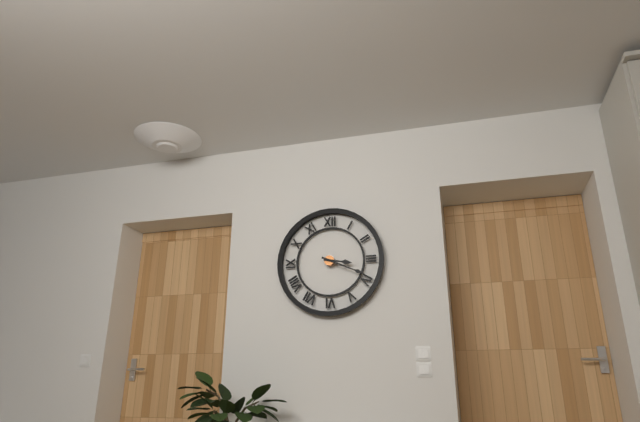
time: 3:19
